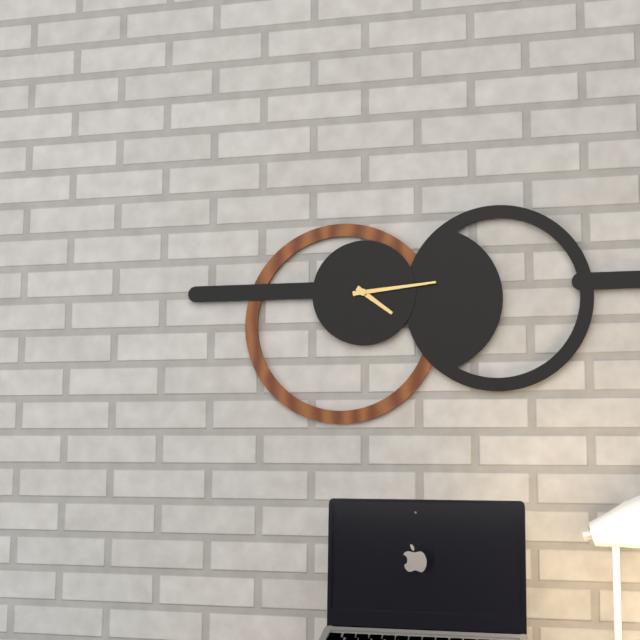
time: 4:14
